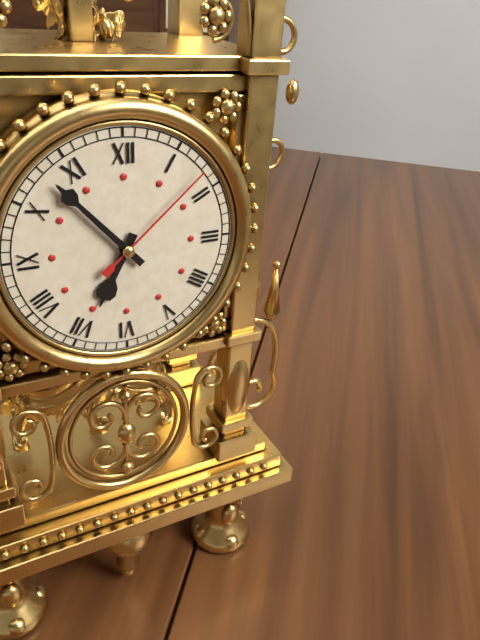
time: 6:53:08
